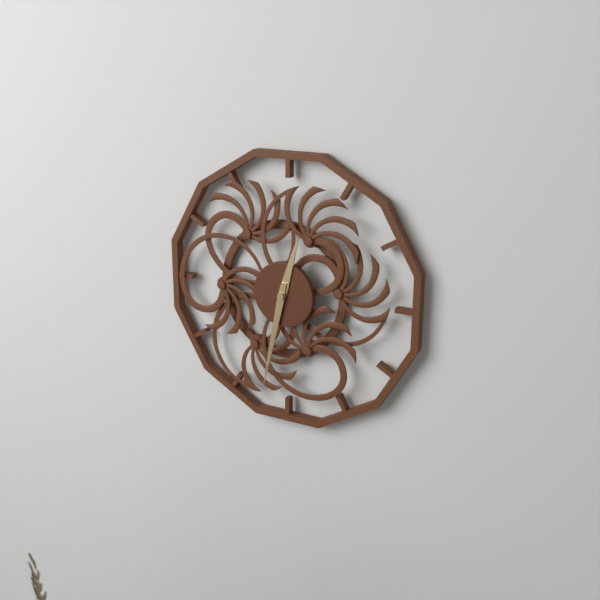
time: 12:32
